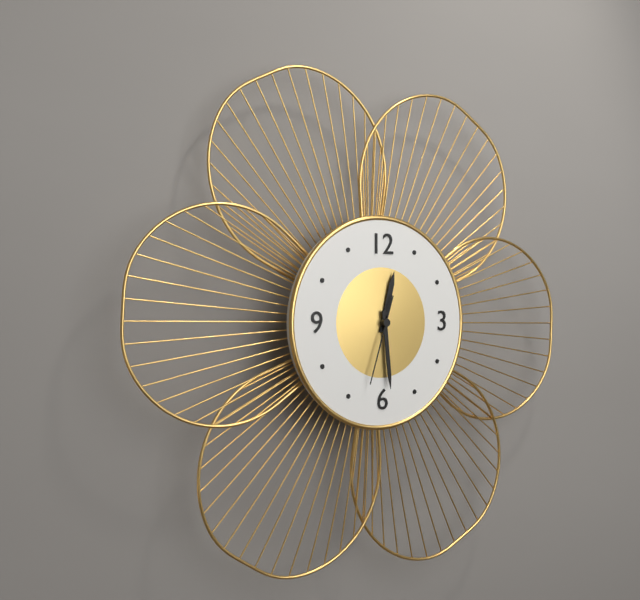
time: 12:29:33
